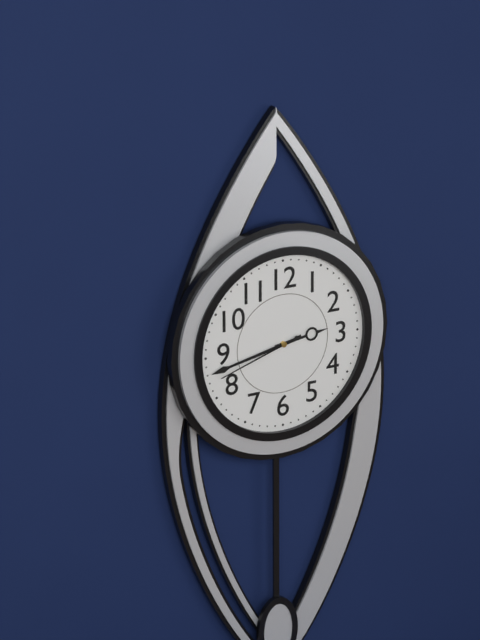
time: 2:43:42
